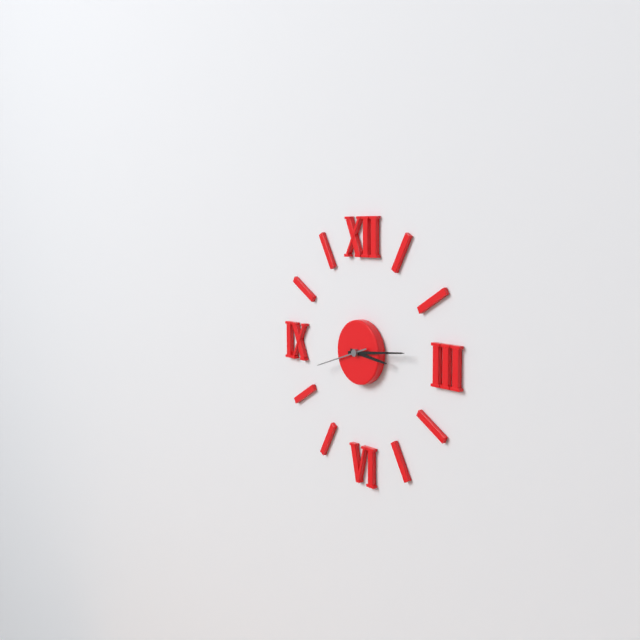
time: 3:14:42
